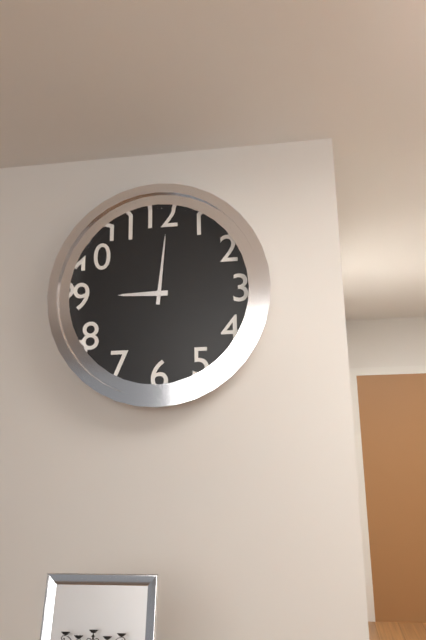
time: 9:01
